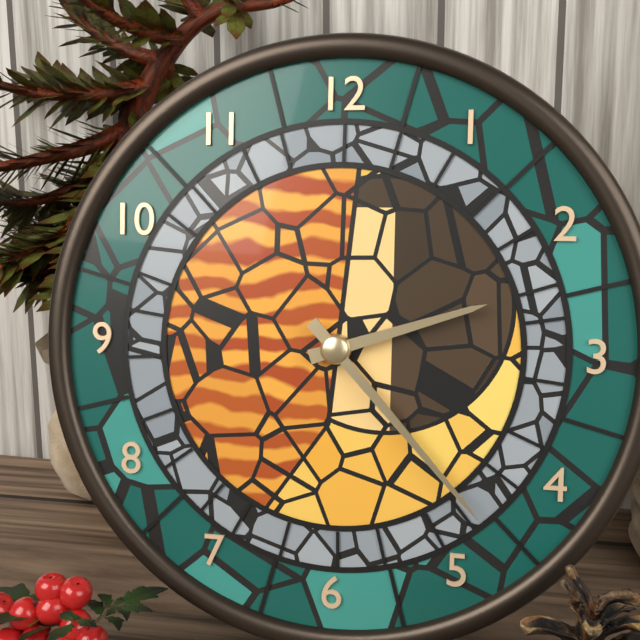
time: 2:23
